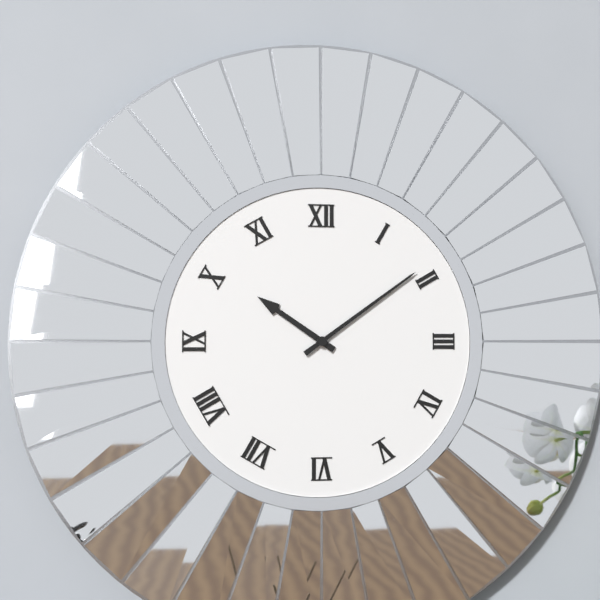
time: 10:09
